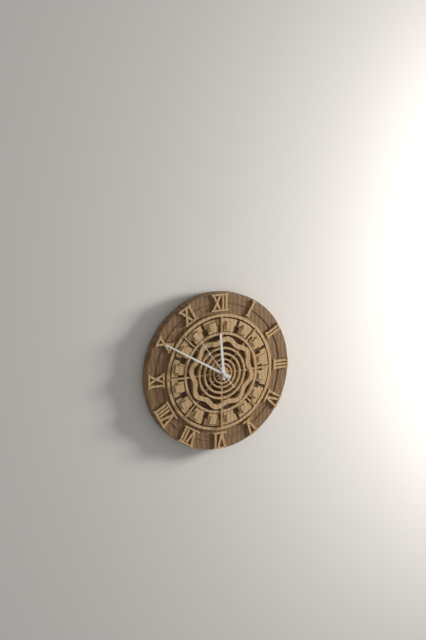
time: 11:50:54
